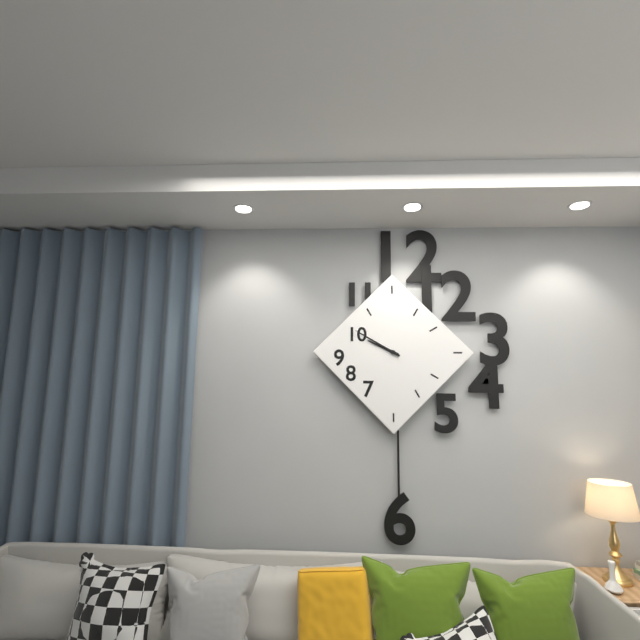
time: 9:50
